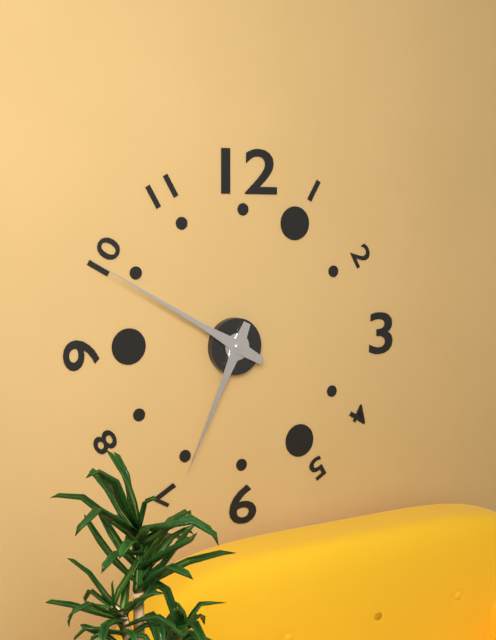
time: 6:50
